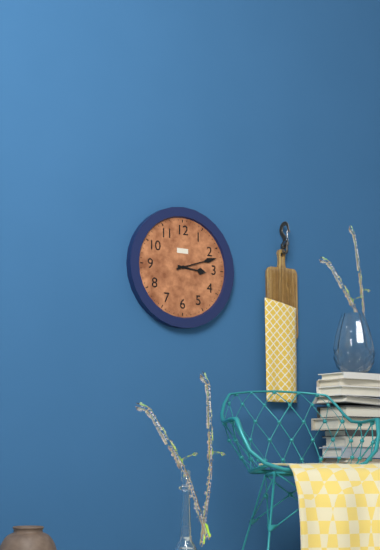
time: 3:12
